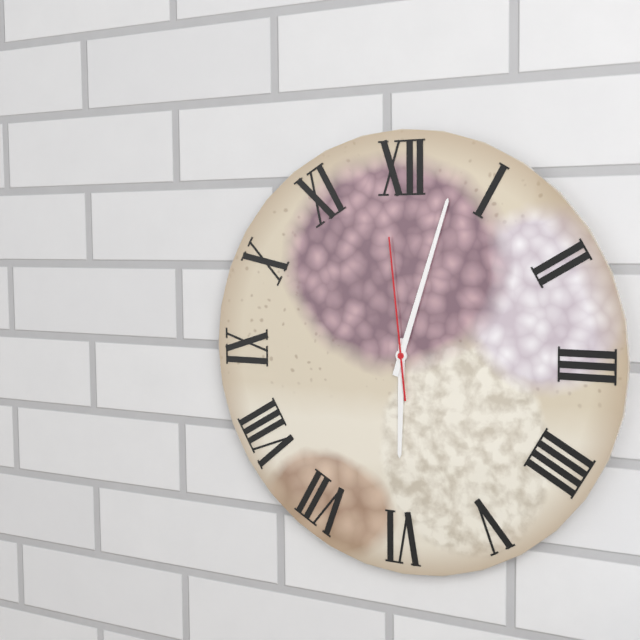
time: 6:03:59
